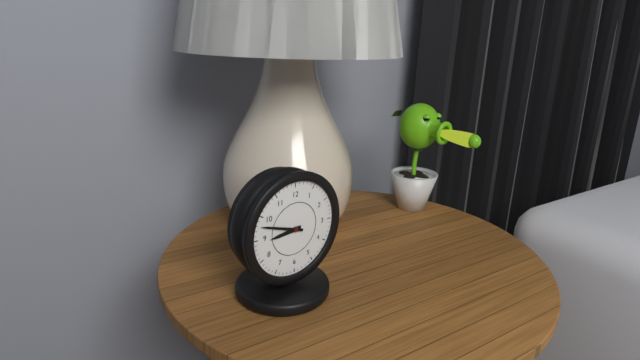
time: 8:48
